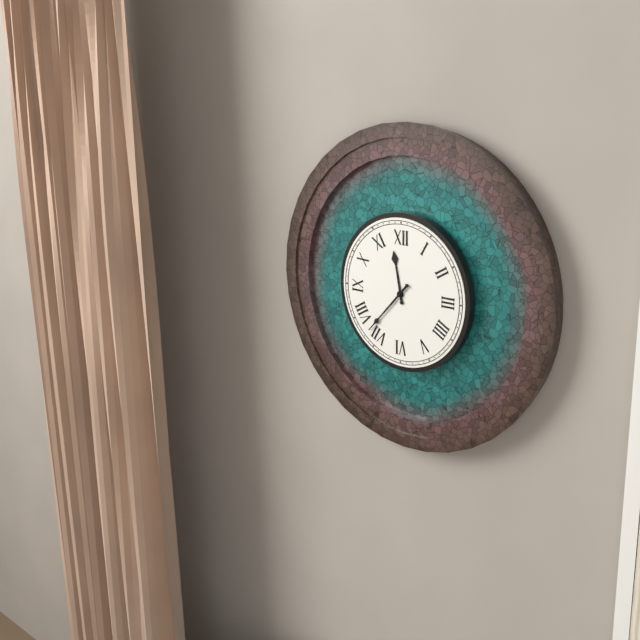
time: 11:37
